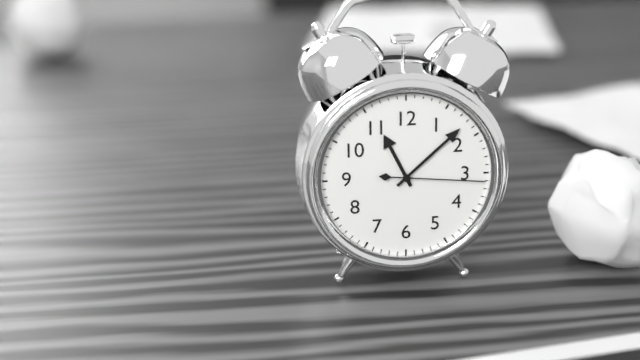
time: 11:08:16
